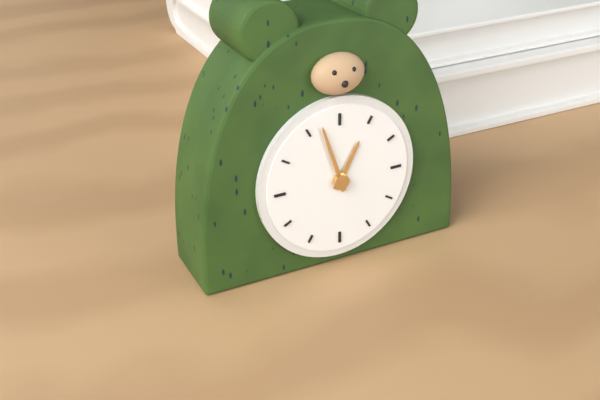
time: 12:57
